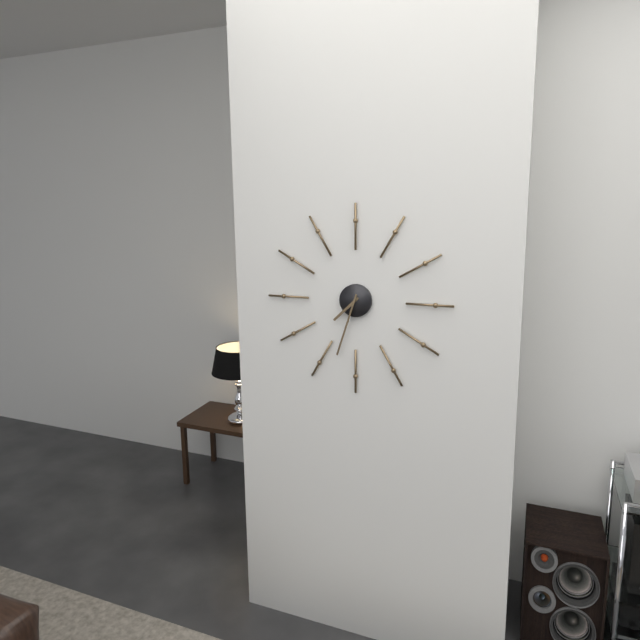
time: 7:33
